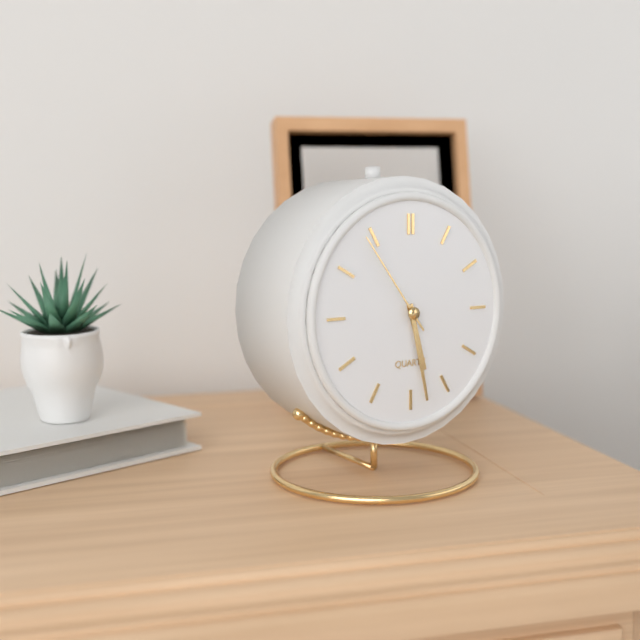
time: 5:28:54
